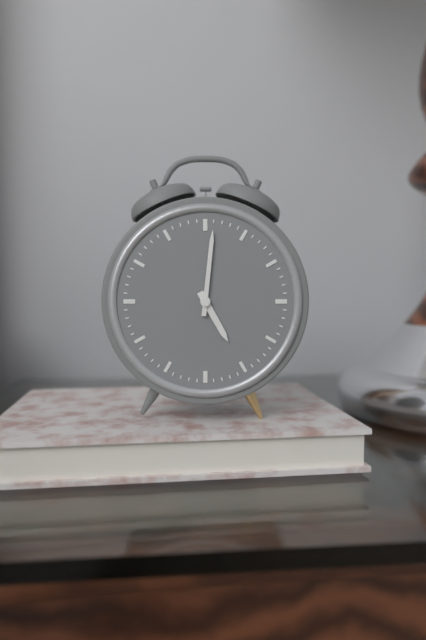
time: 5:01
